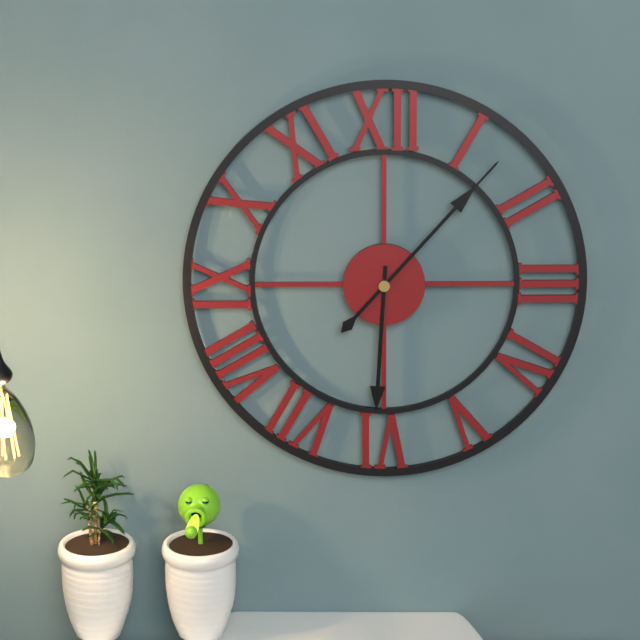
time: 6:07
